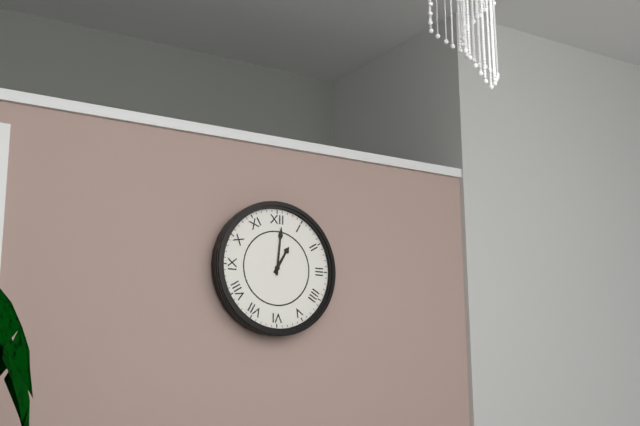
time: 1:01
